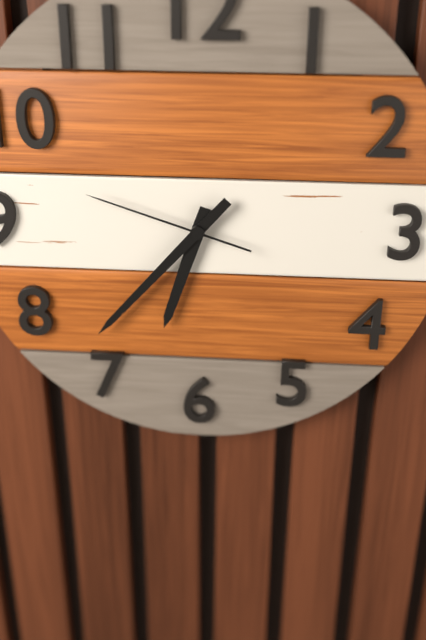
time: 6:37:48
